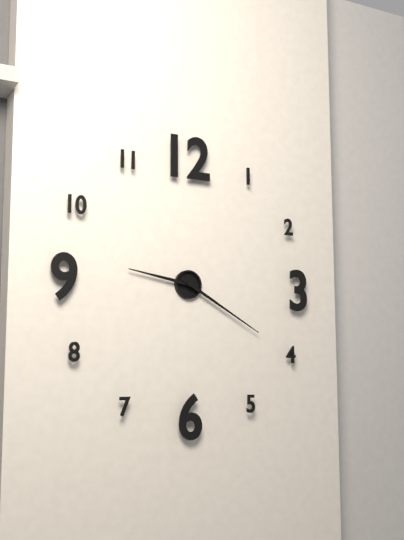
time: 9:20
